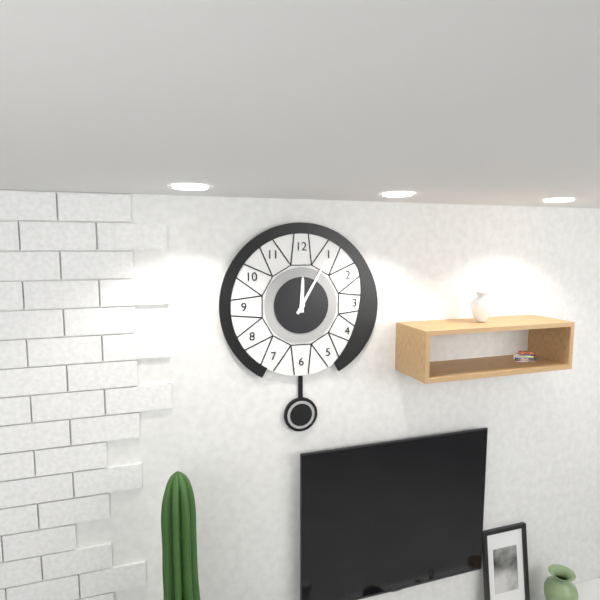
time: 12:05
